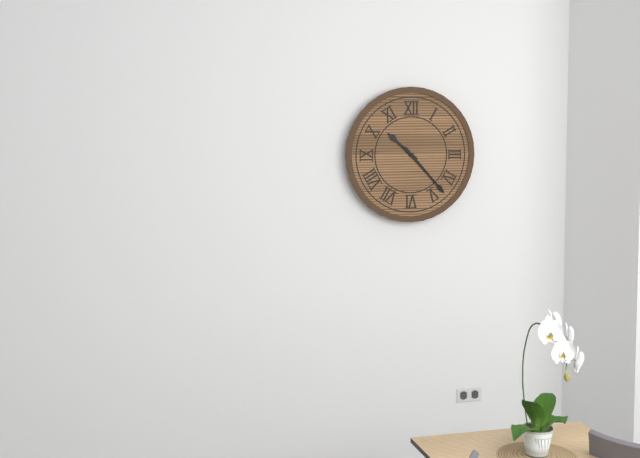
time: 10:23
